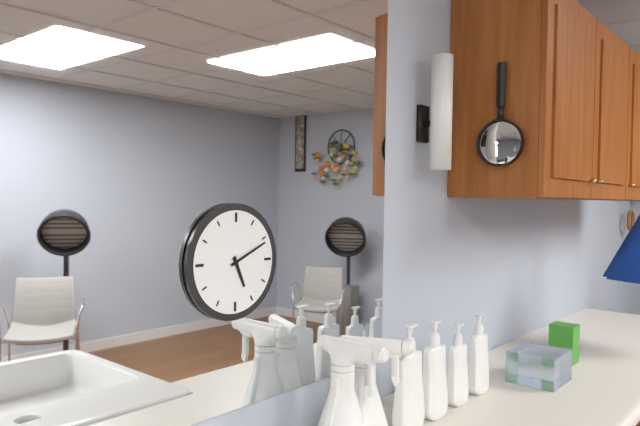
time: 5:11
